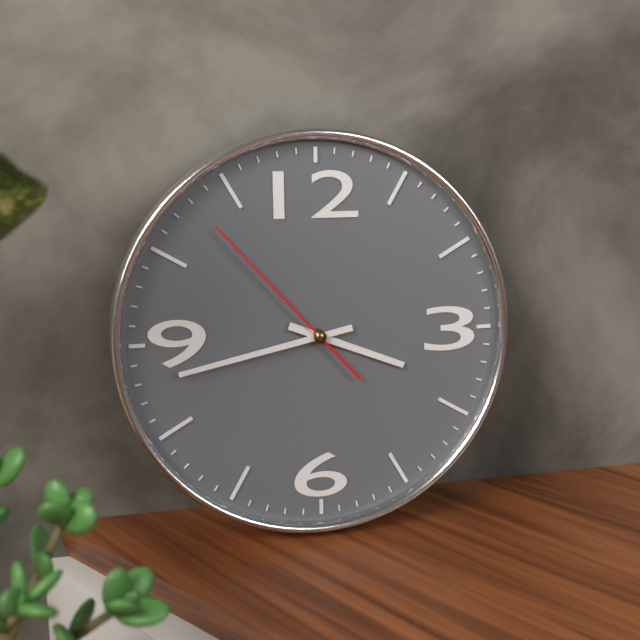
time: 3:43:53
